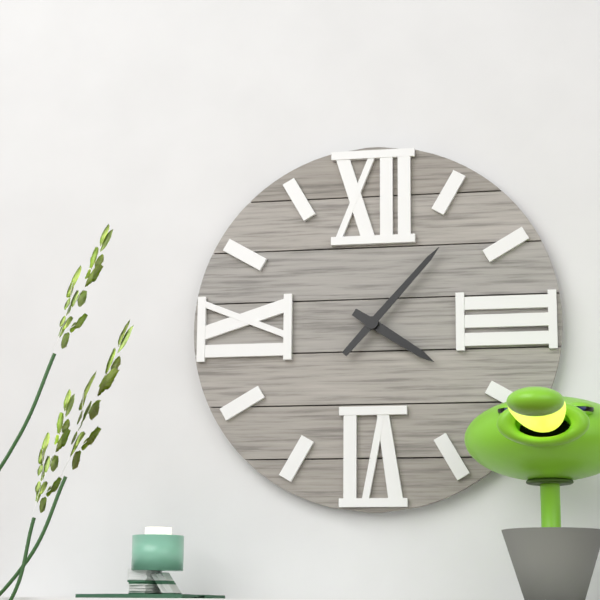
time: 4:07
